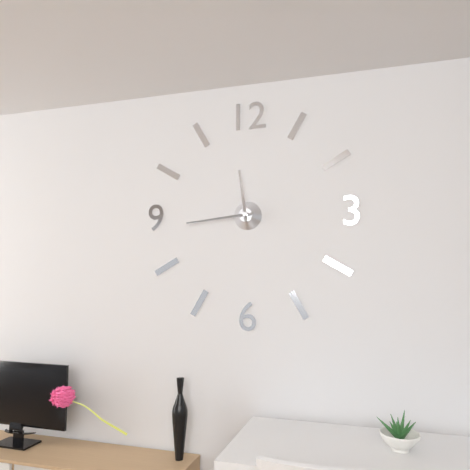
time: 11:44
